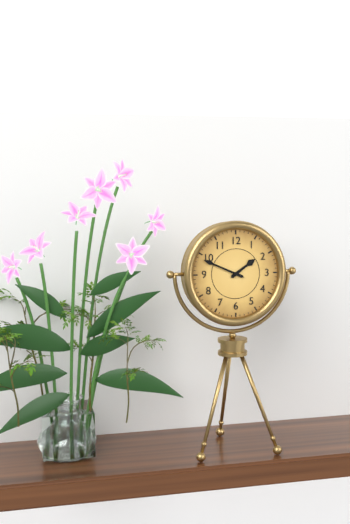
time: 1:49
